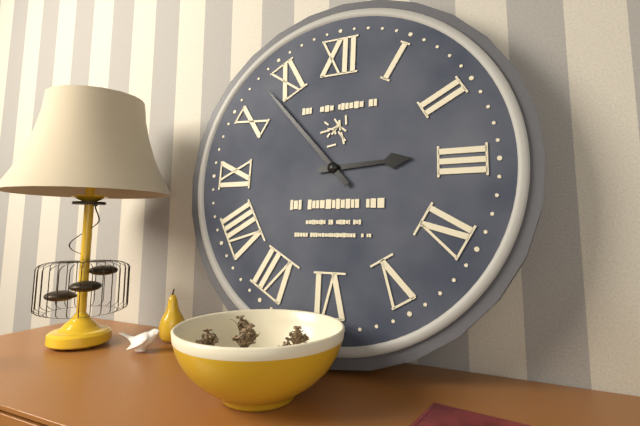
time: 2:53
